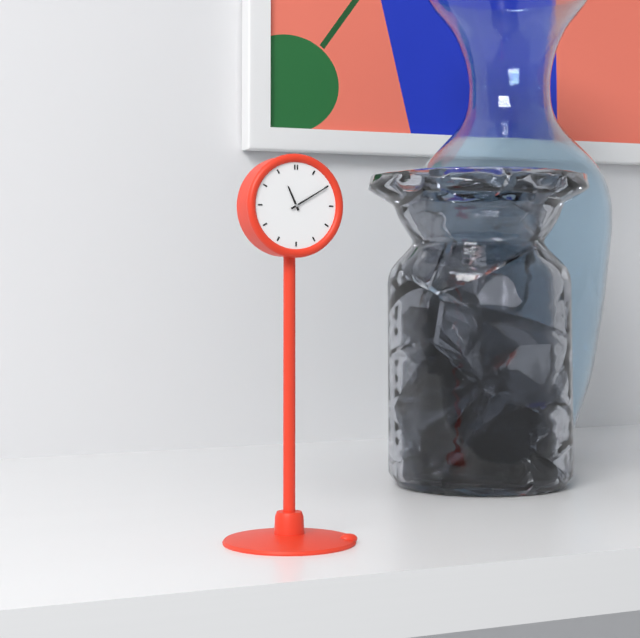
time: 11:10
